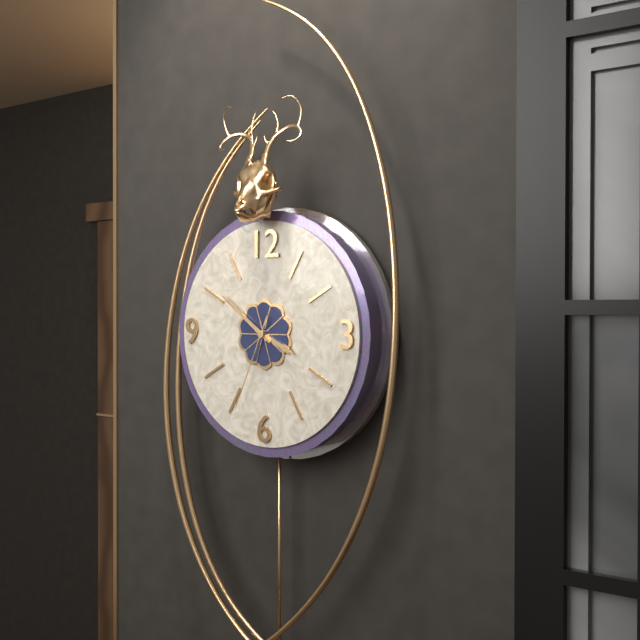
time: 3:51:34
